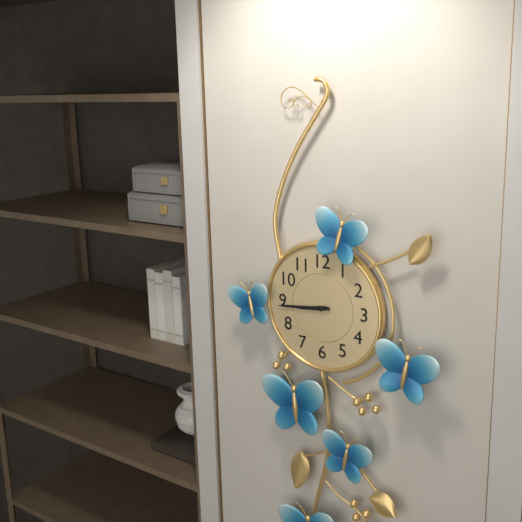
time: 8:44
